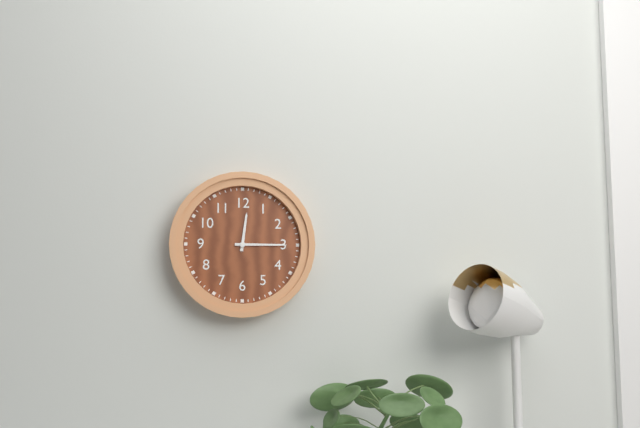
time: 12:15
